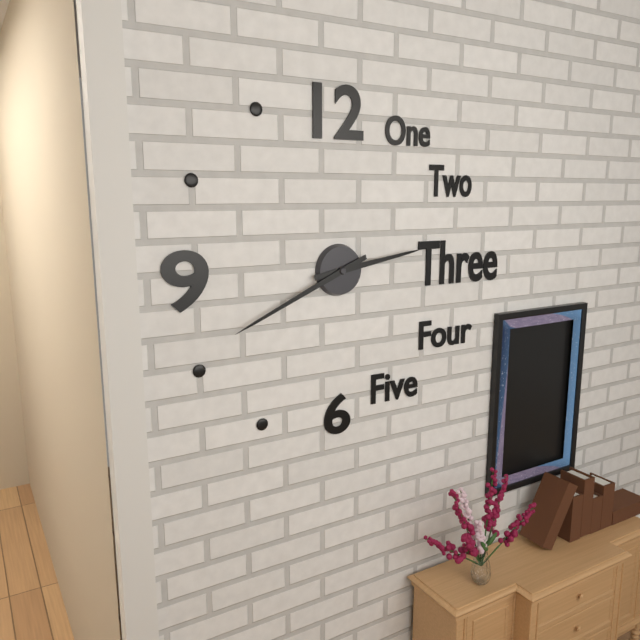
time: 2:41
